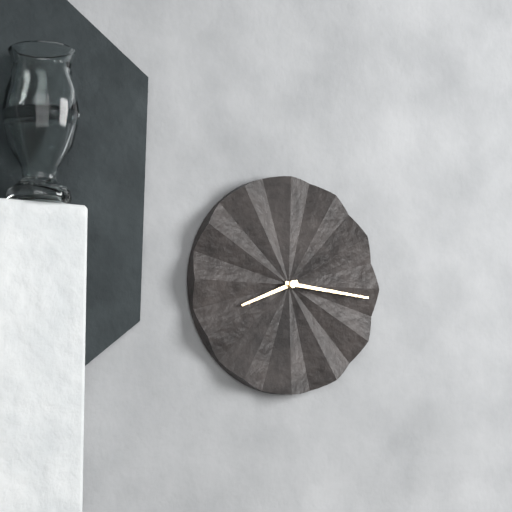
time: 8:16
